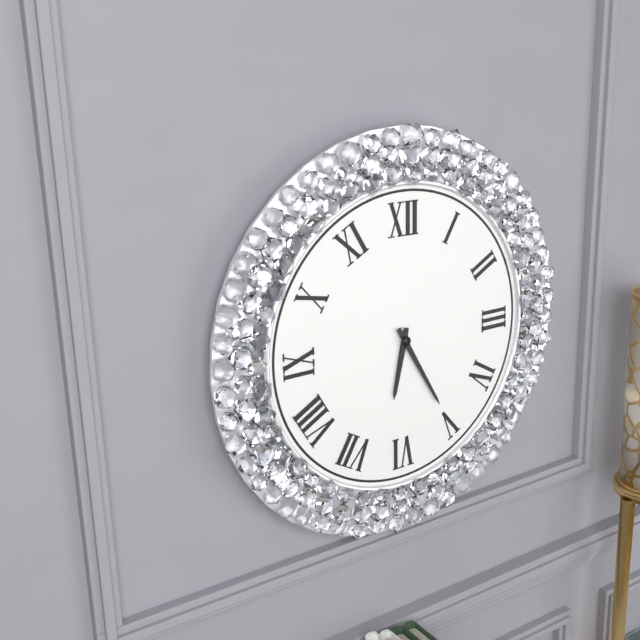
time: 6:25
